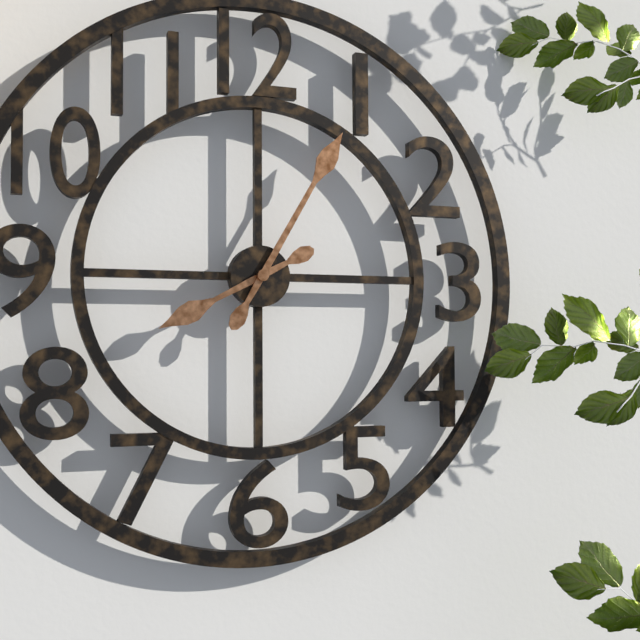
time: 8:05
